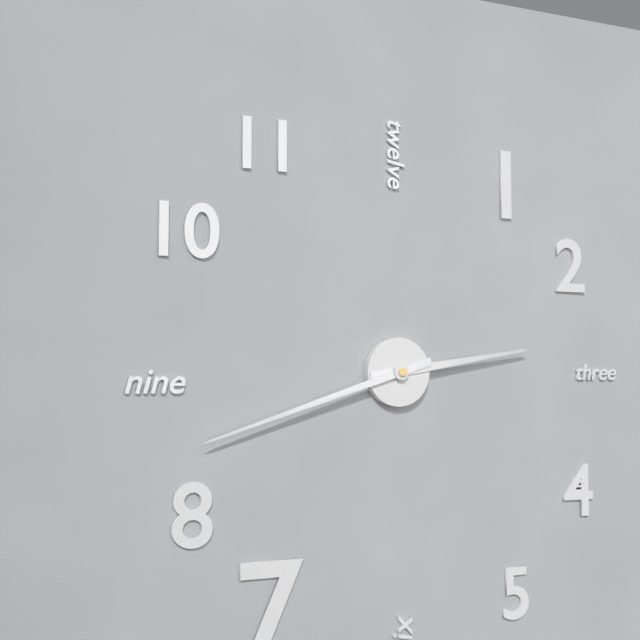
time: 2:42
